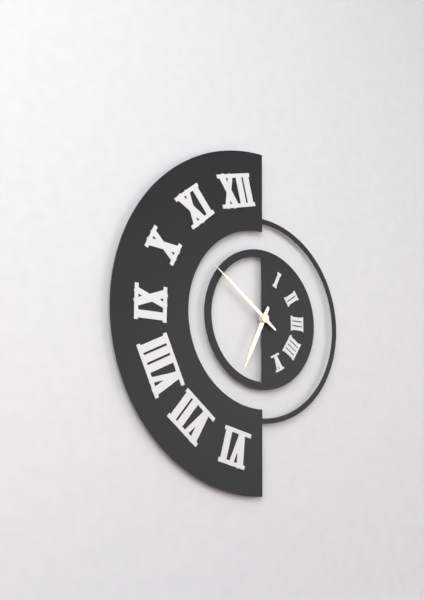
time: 6:51
